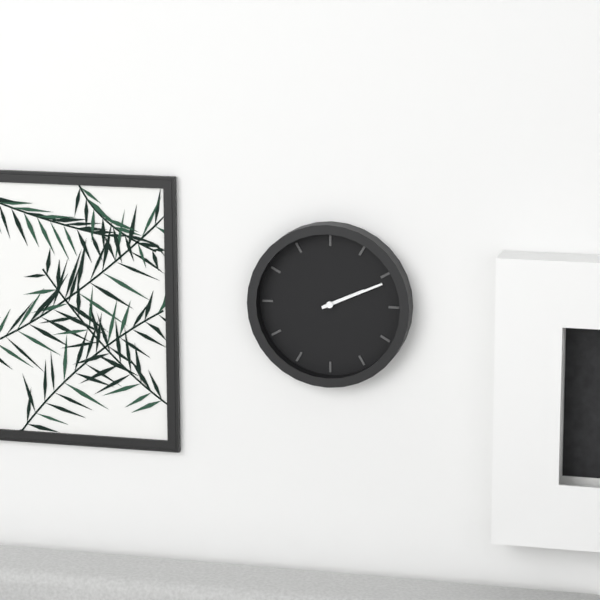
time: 2:11
